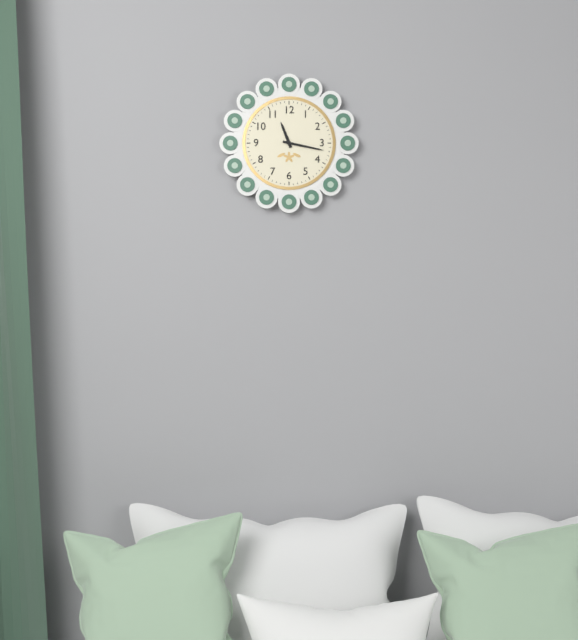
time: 11:17
